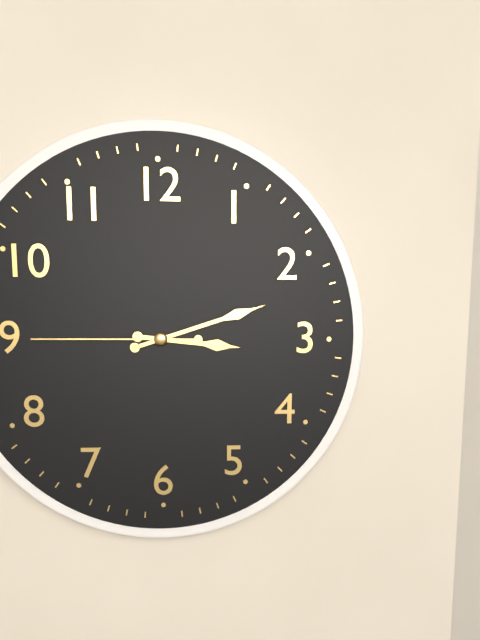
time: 3:12:45
